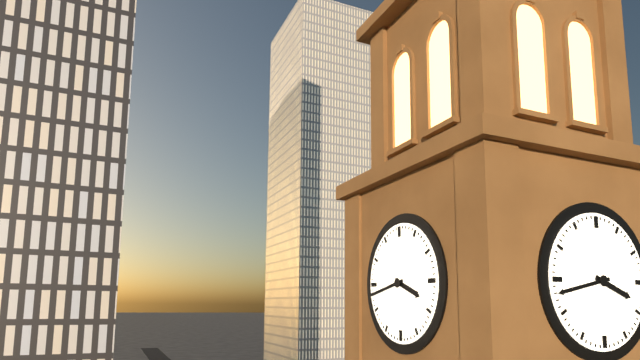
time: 3:43
